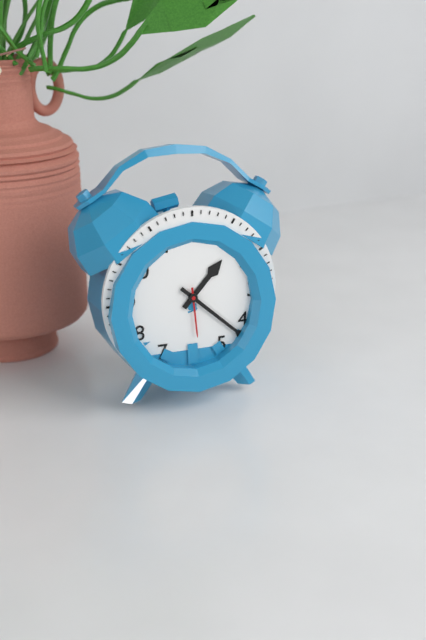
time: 1:22:29
